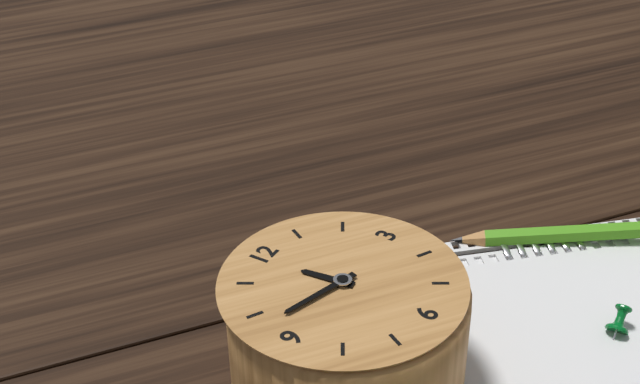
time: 11:48
